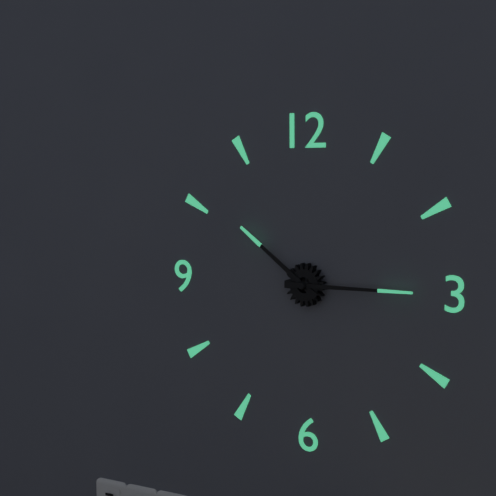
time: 10:15
